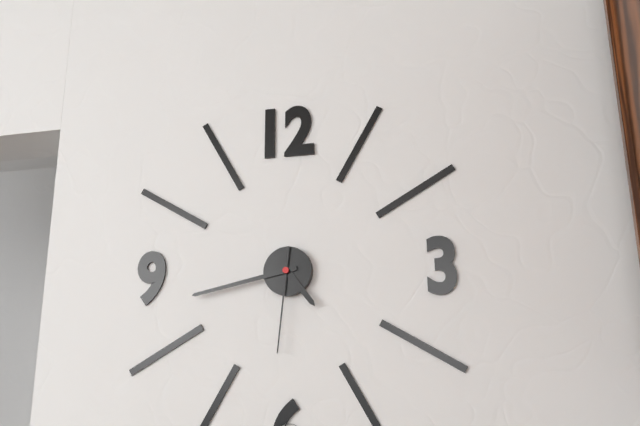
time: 4:43:31
